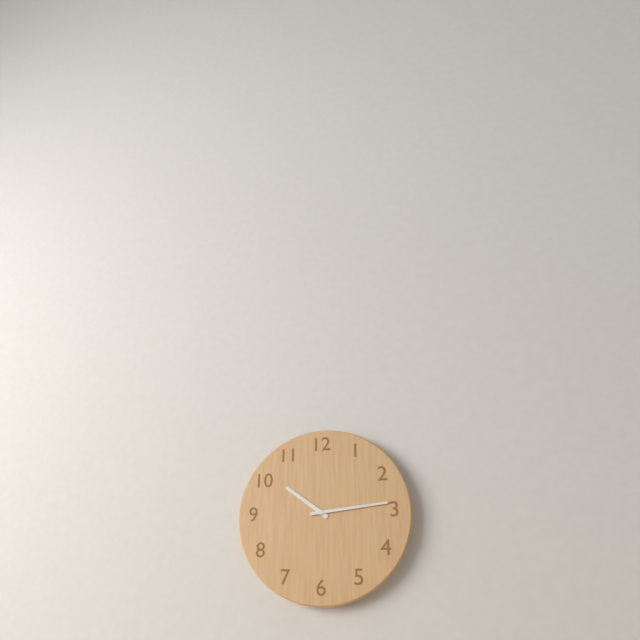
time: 10:14
